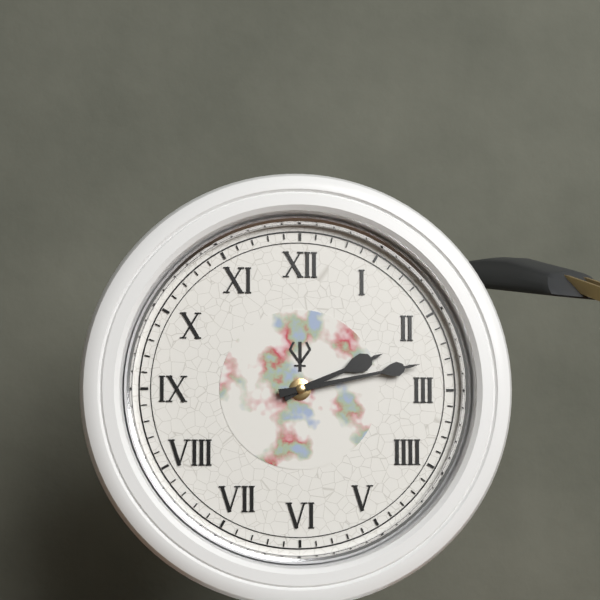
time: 2:13
